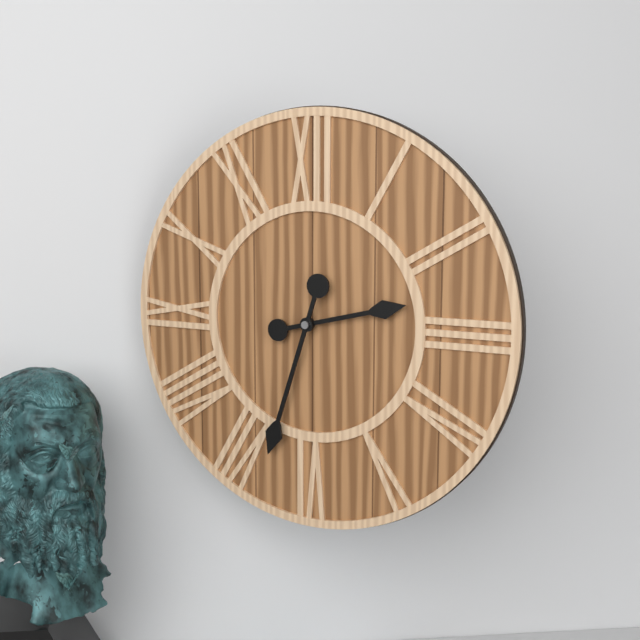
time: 2:33
